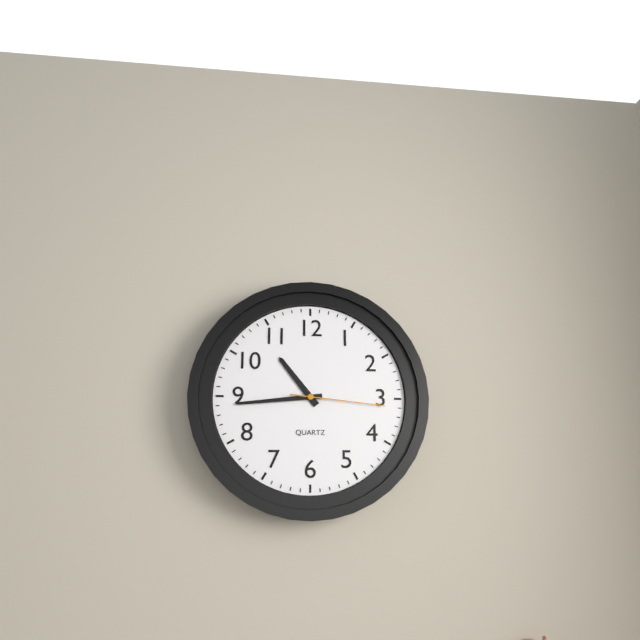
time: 10:44:16
